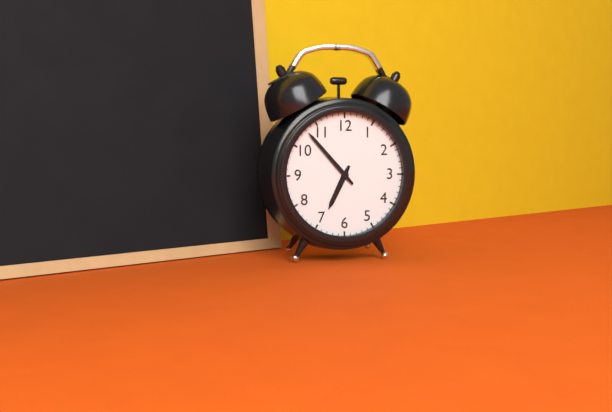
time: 6:53
